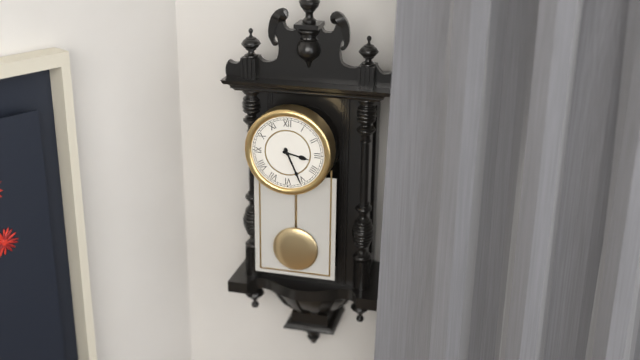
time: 3:26
